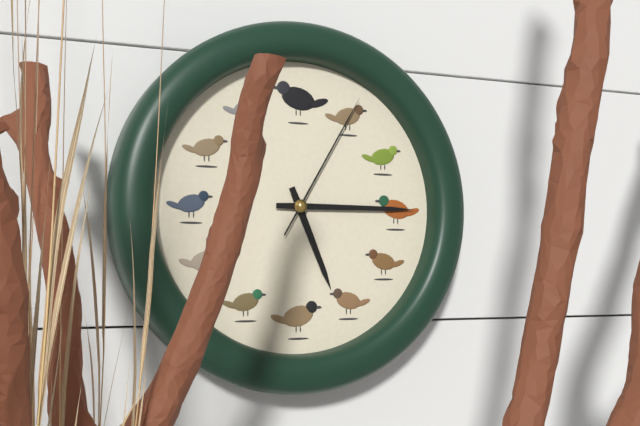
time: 5:15:05
